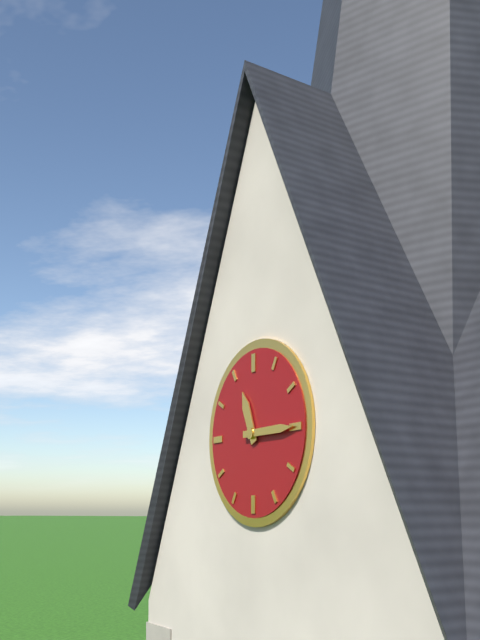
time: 11:15
